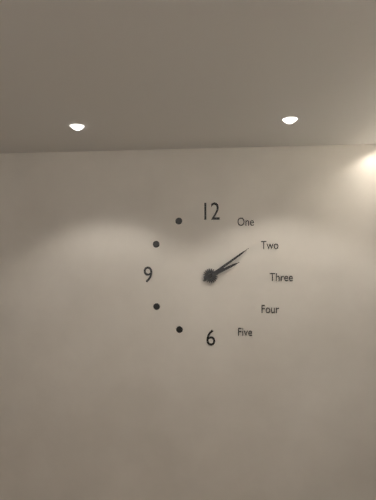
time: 2:09
